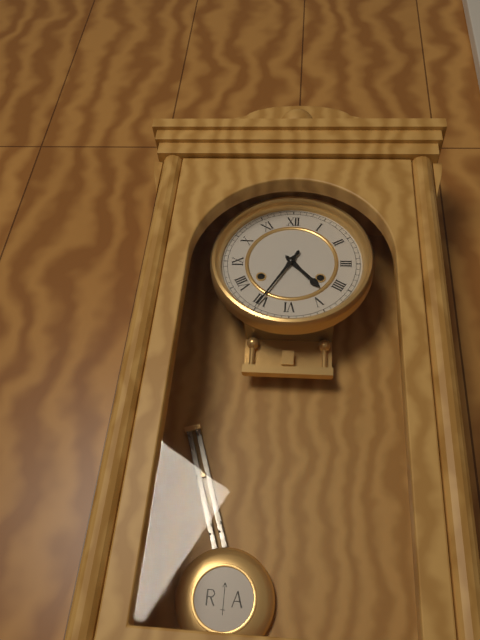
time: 4:35
